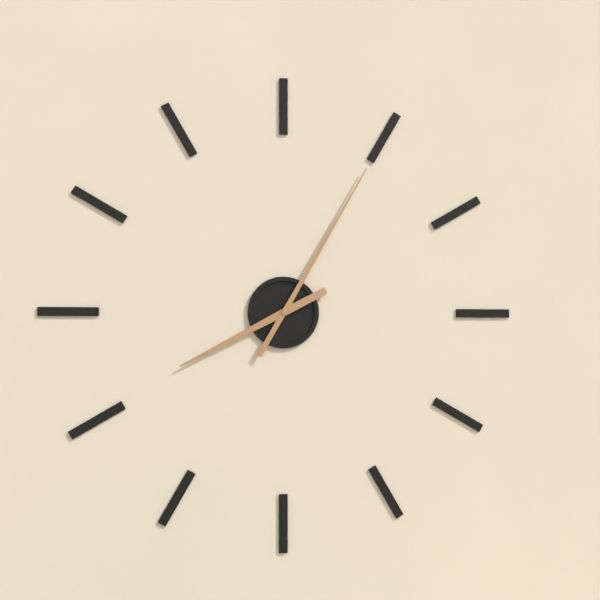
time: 8:05
